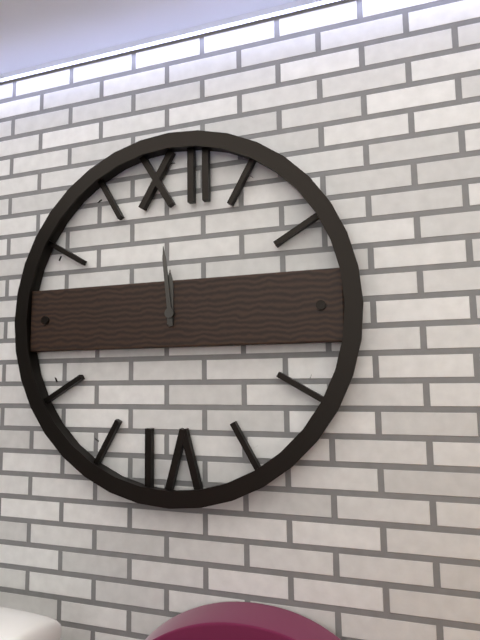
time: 11:59
